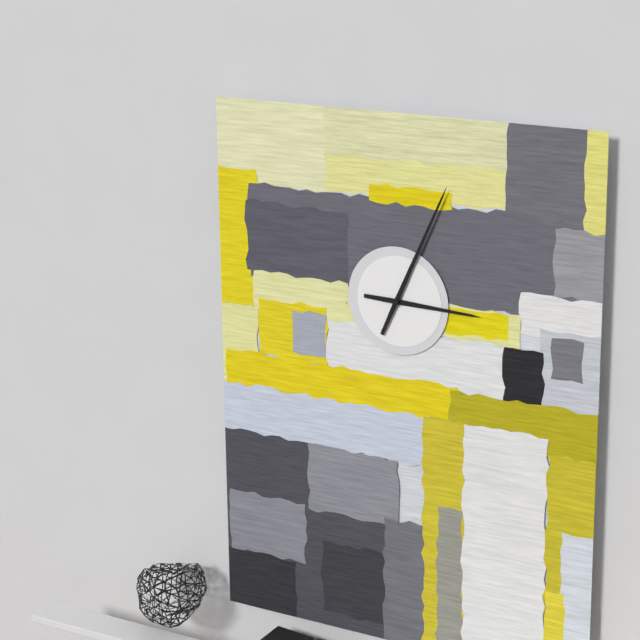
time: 3:04
